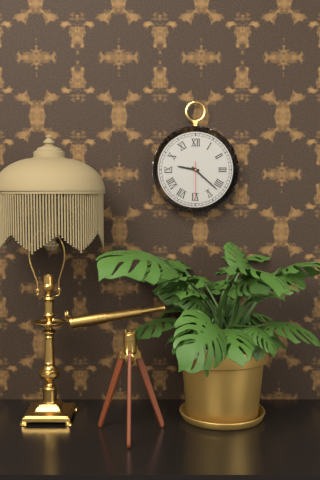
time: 9:22
